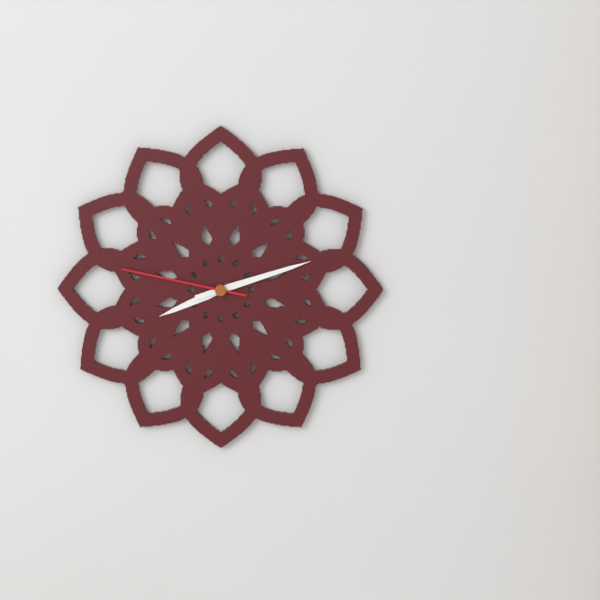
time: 8:12:47
